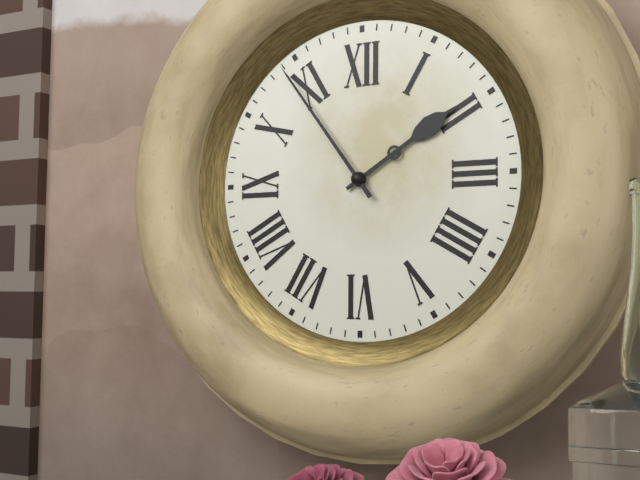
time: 1:54
